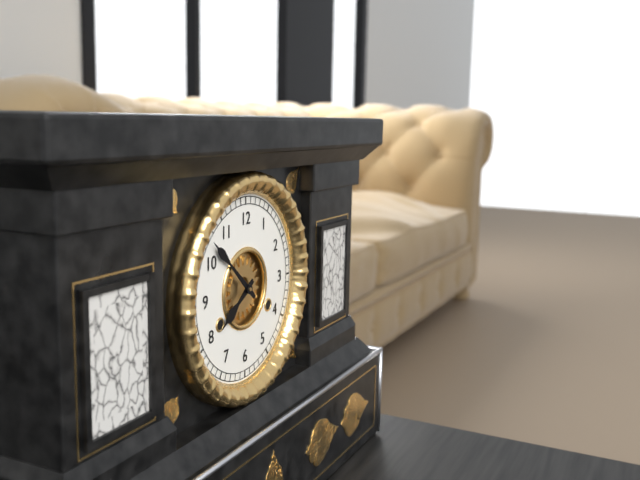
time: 7:52
